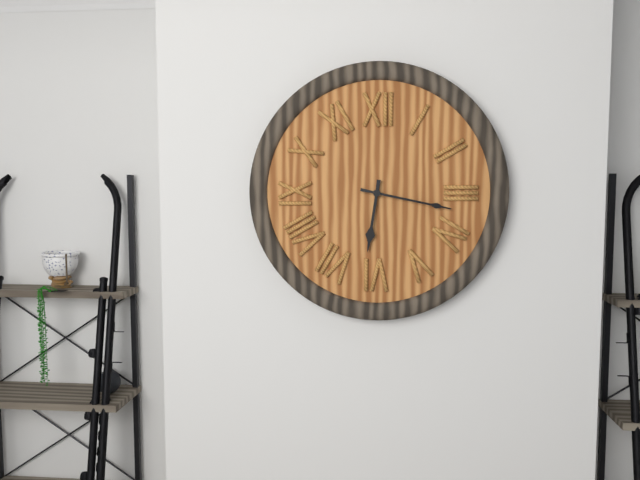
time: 6:17
